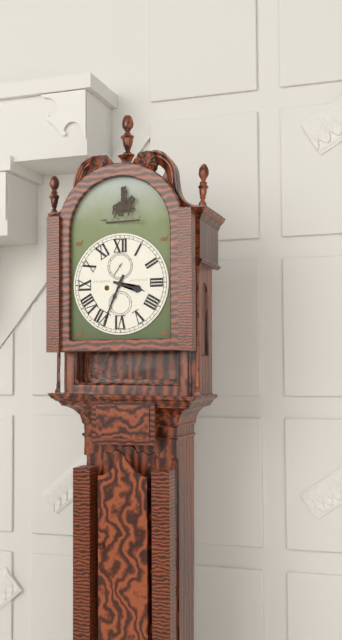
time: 3:34
